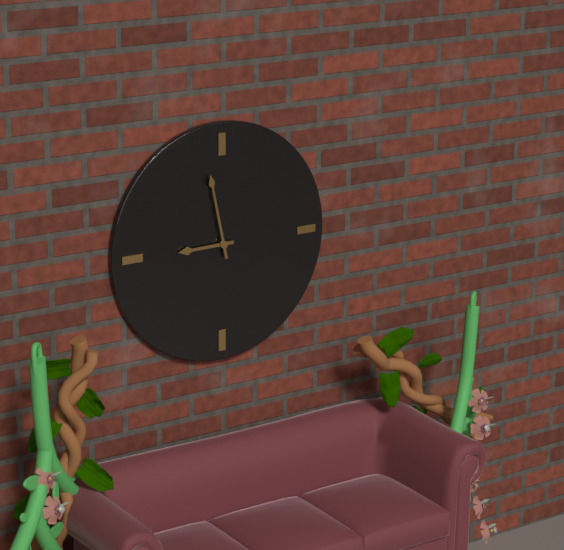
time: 8:58
